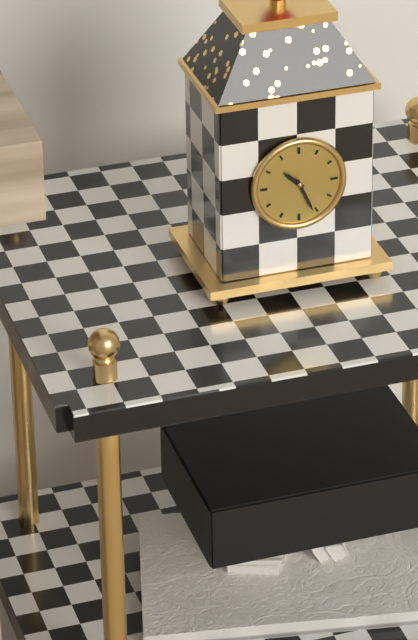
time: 10:26
